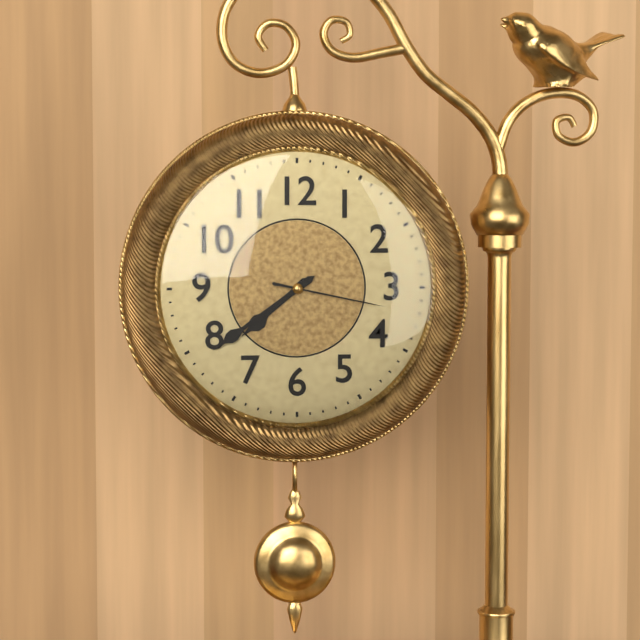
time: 7:39:17
